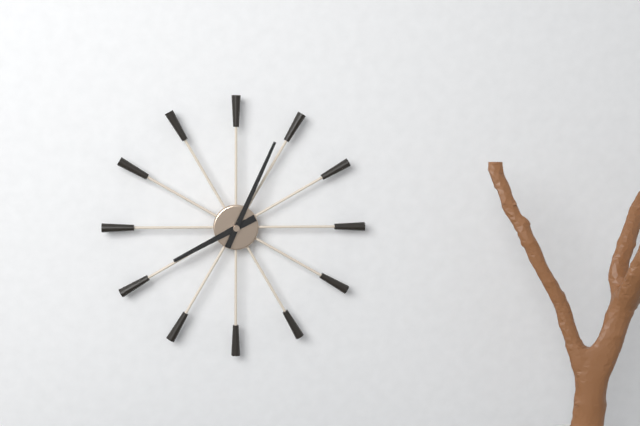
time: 8:04
